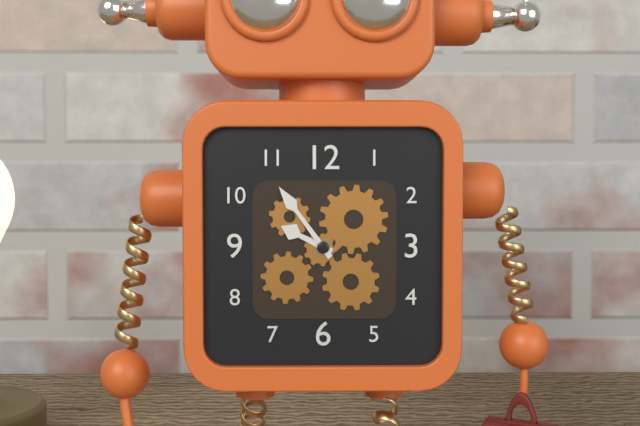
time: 9:54
